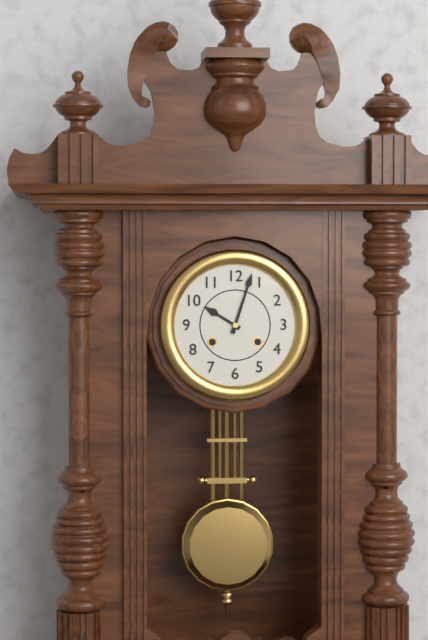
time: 10:03
